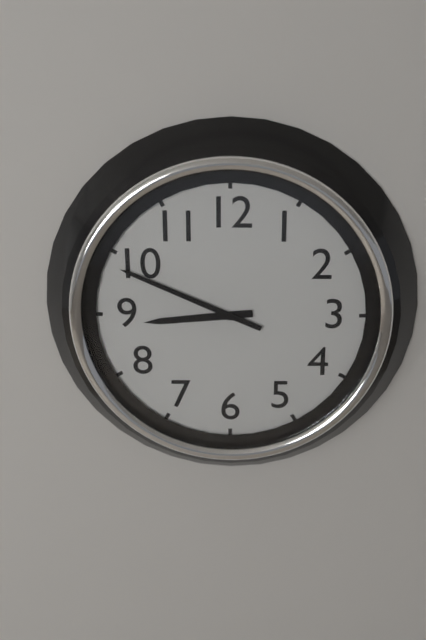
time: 8:49
